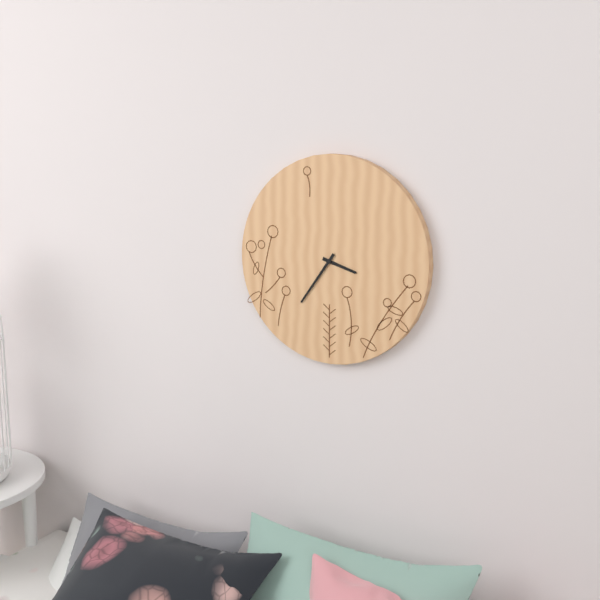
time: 3:36
